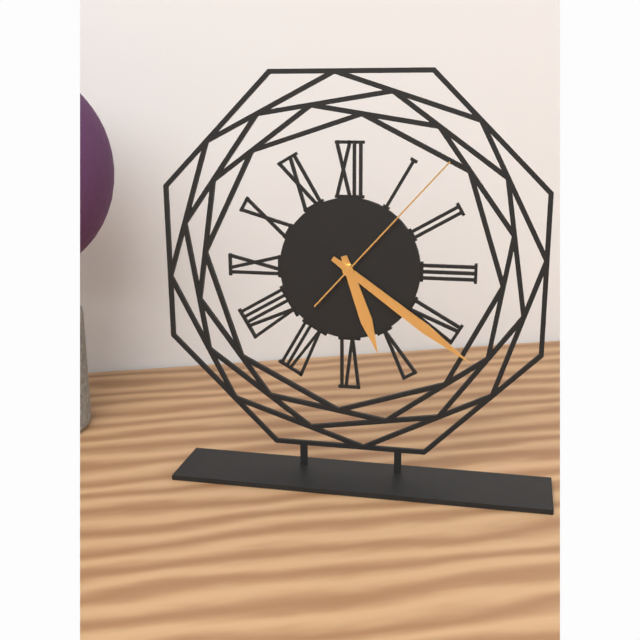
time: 5:21:07
